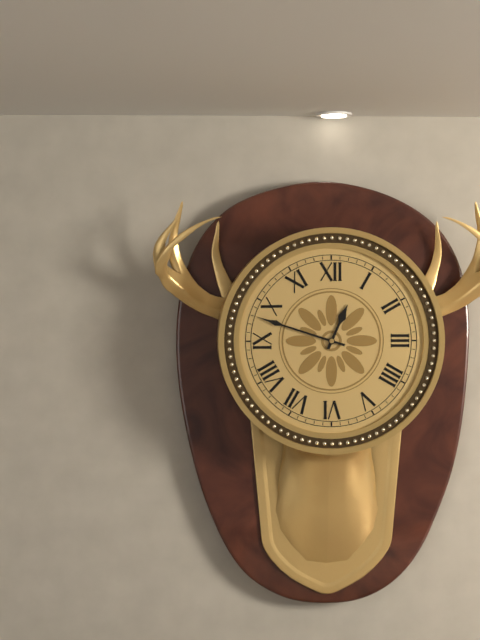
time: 12:48
